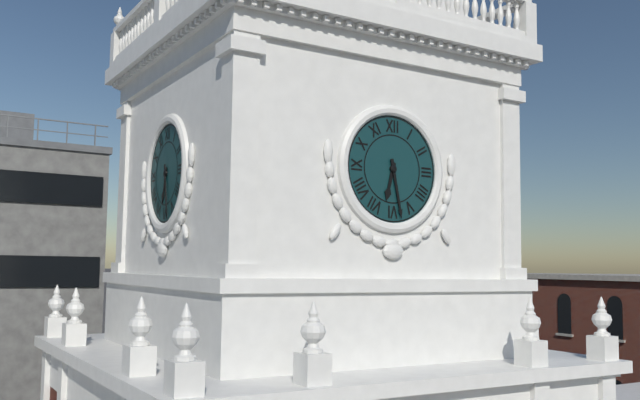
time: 6:28
